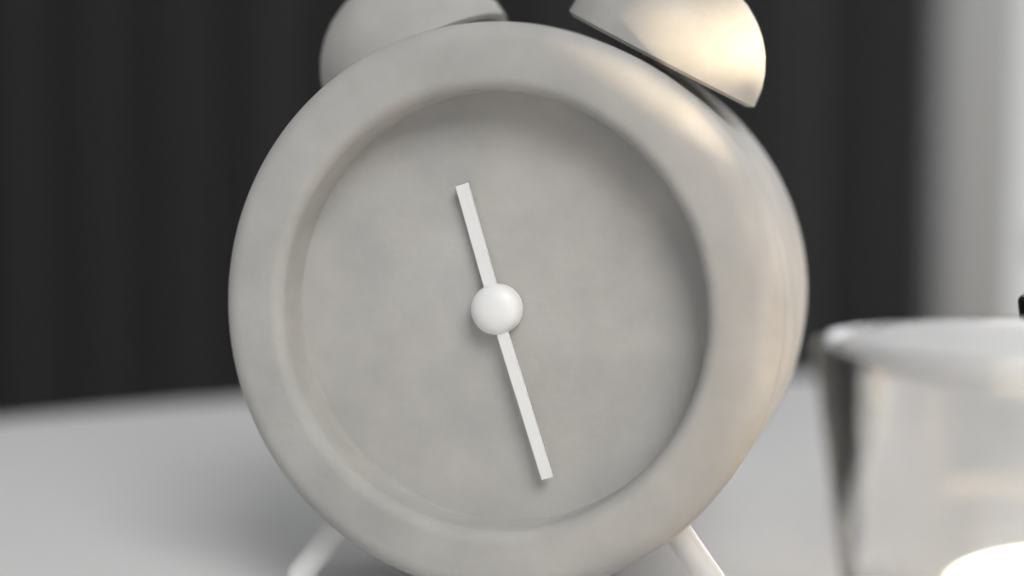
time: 11:27
